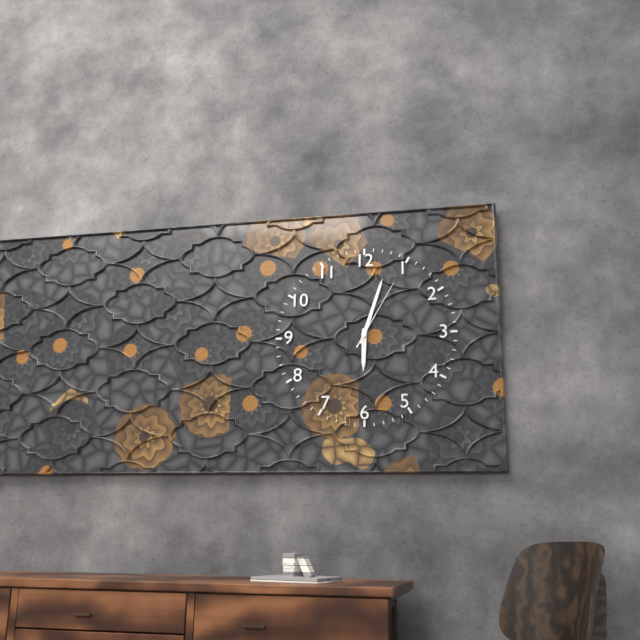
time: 6:03:05
